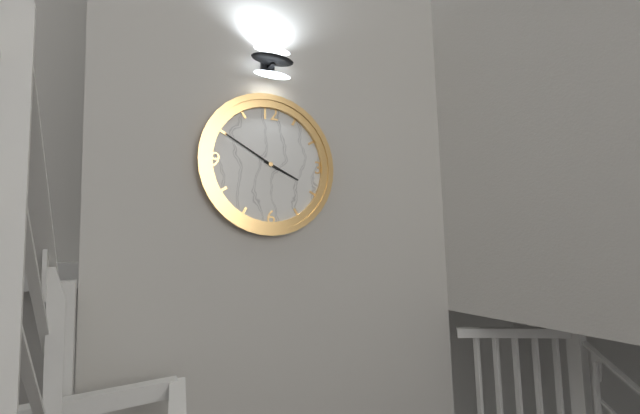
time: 3:50
